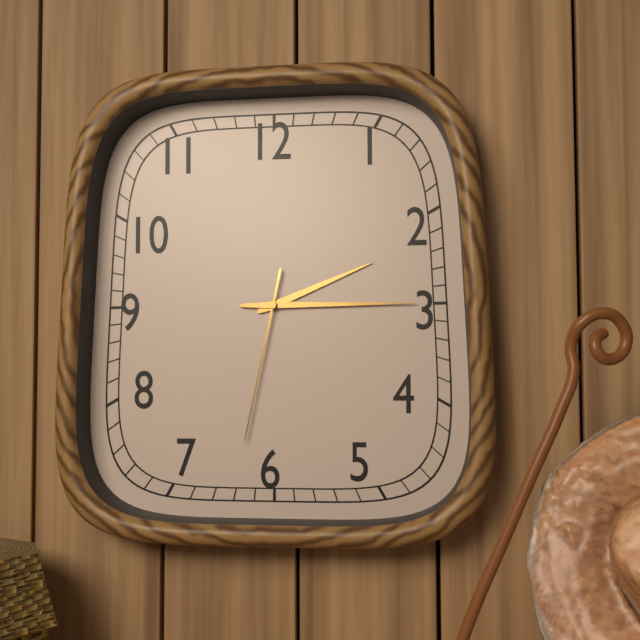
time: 2:15:32
